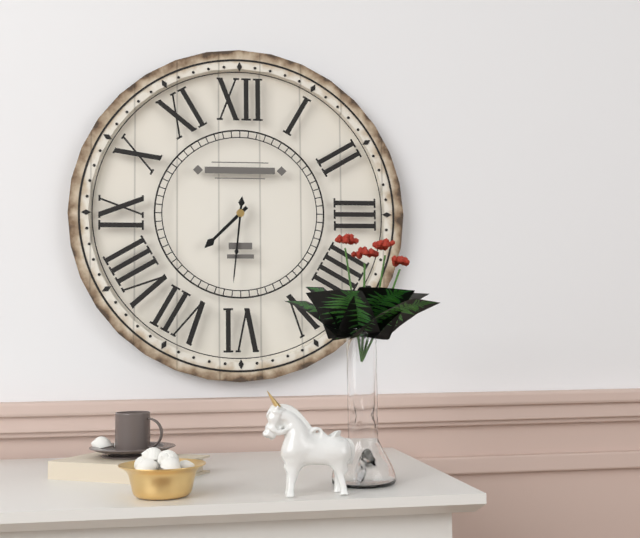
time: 7:31
